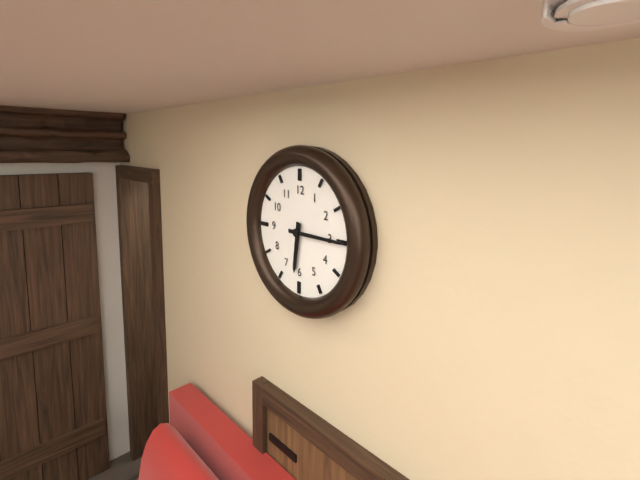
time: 6:15
